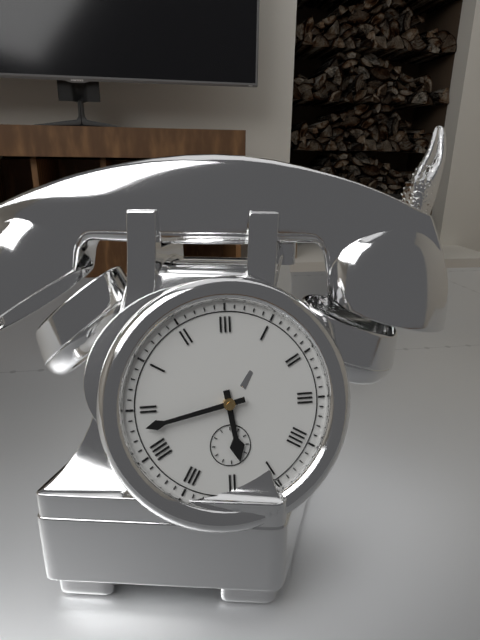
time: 5:43
